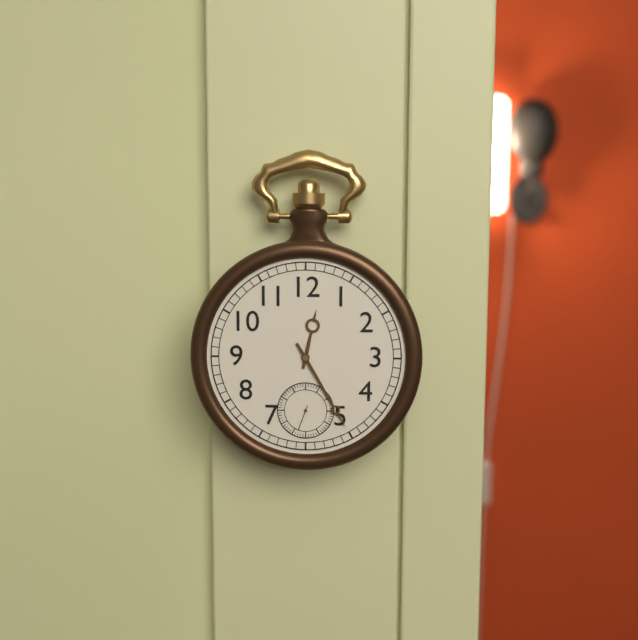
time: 12:25
